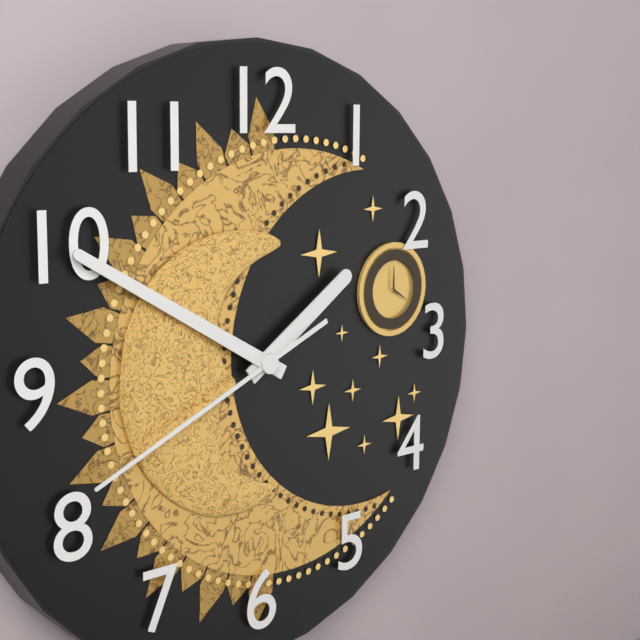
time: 1:50:41
